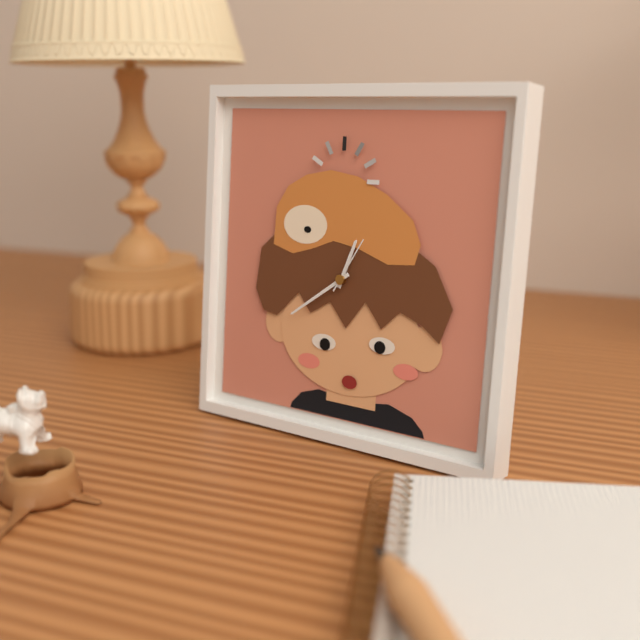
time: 12:39:05
